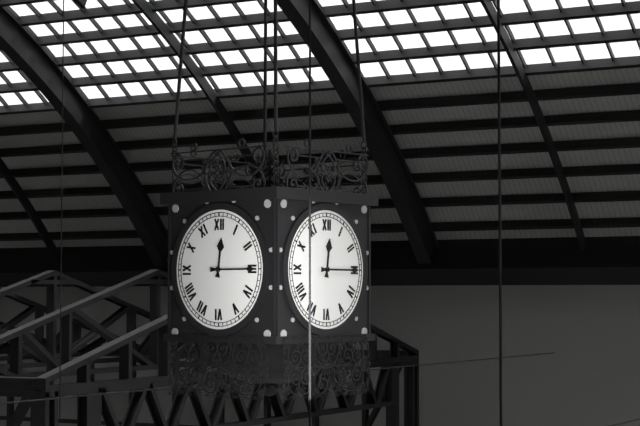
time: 12:15
